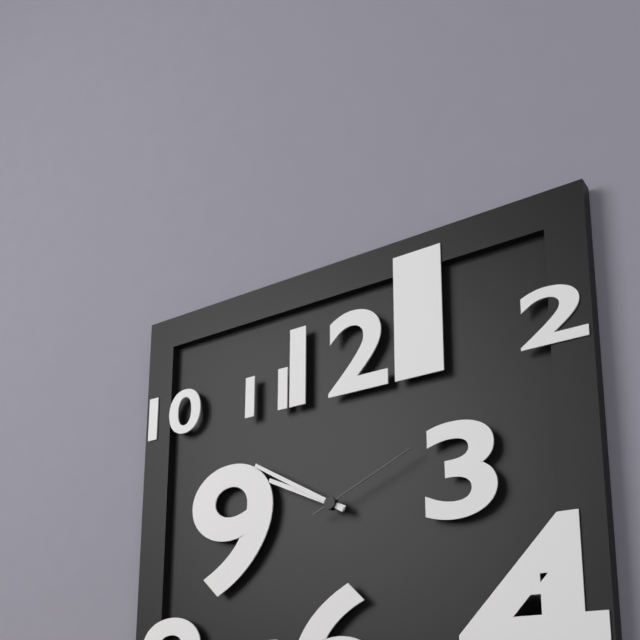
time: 9:50:11
